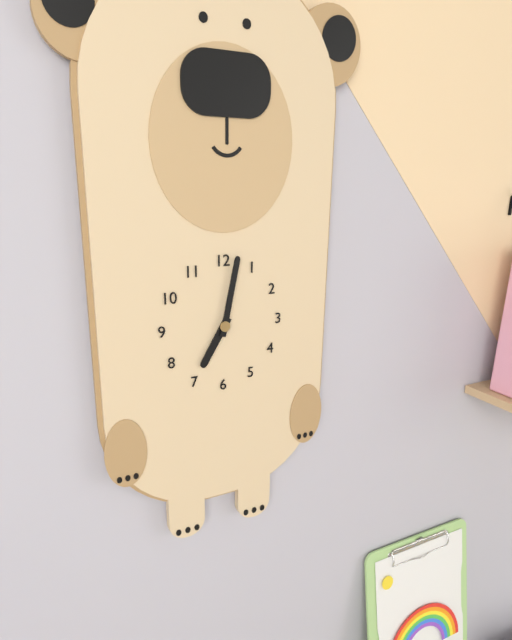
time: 7:02
